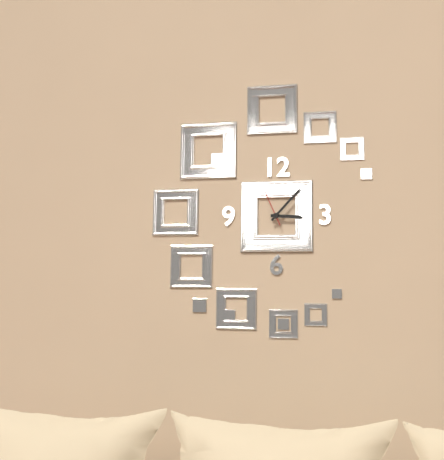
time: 3:07
